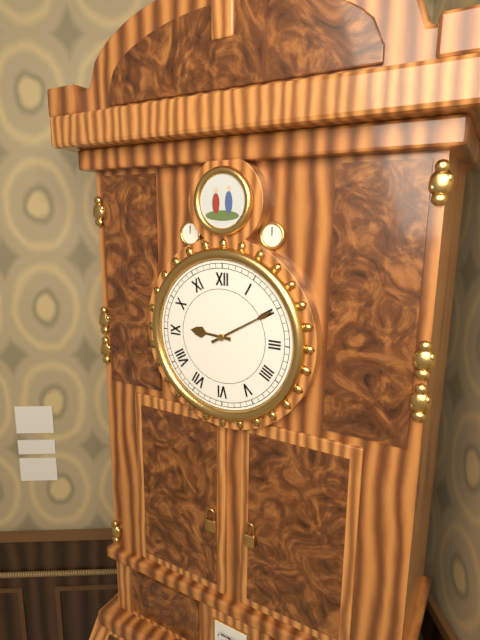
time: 9:10
